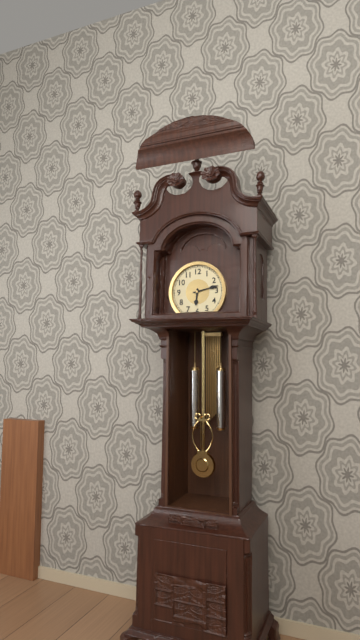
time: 6:13
